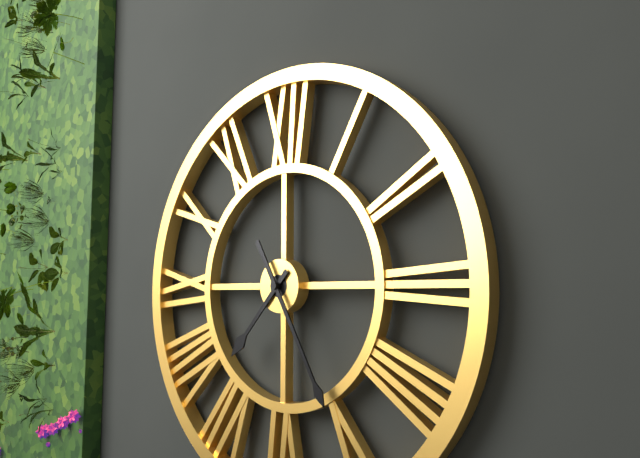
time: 7:25
